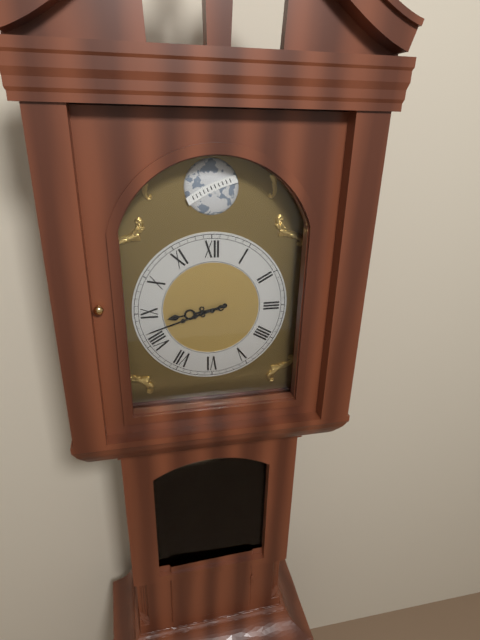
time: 8:42
